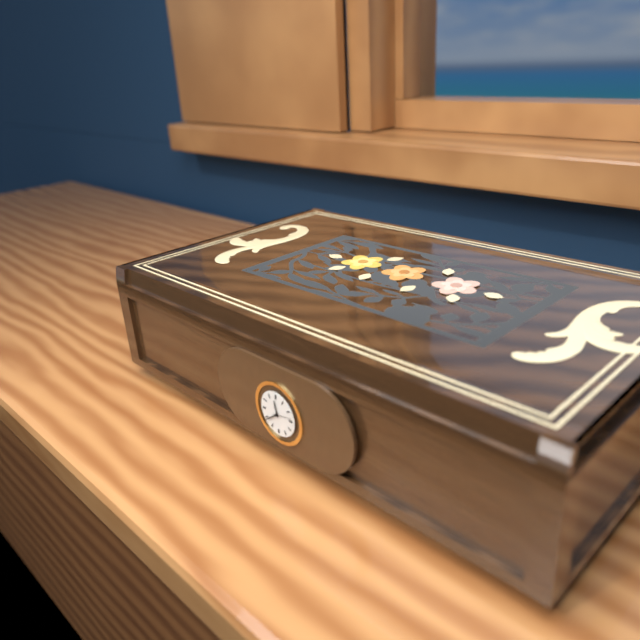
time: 11:39:13
